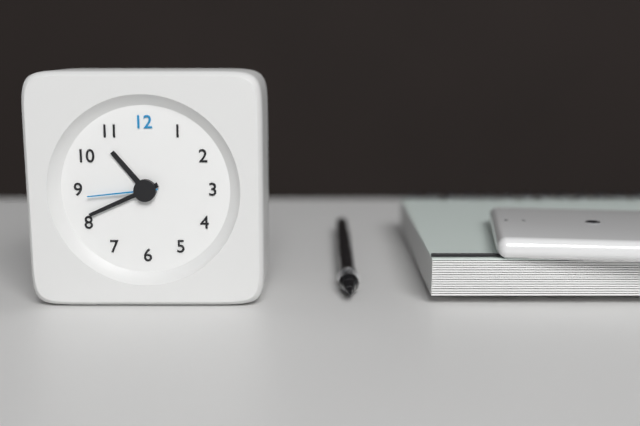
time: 10:41:44
